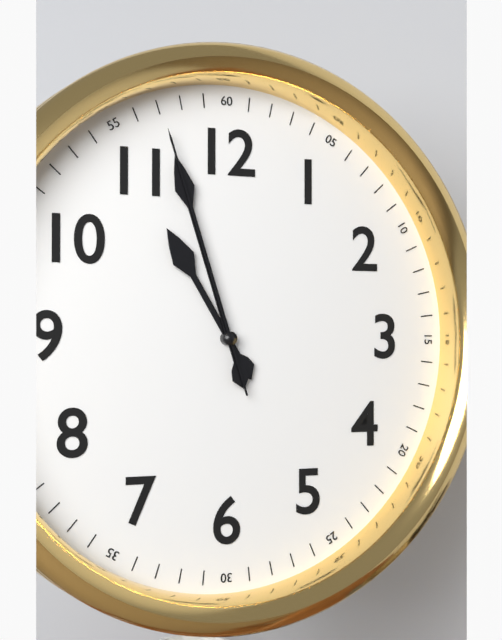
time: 10:57:57
